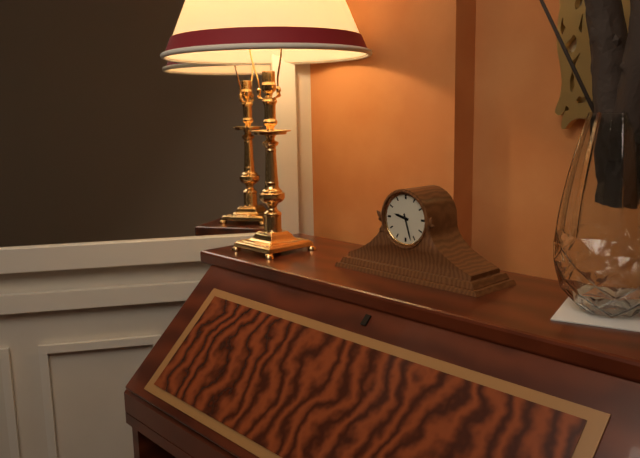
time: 9:27
